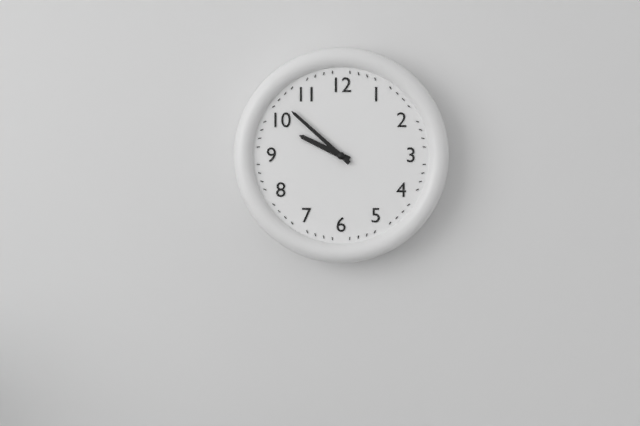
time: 9:52
